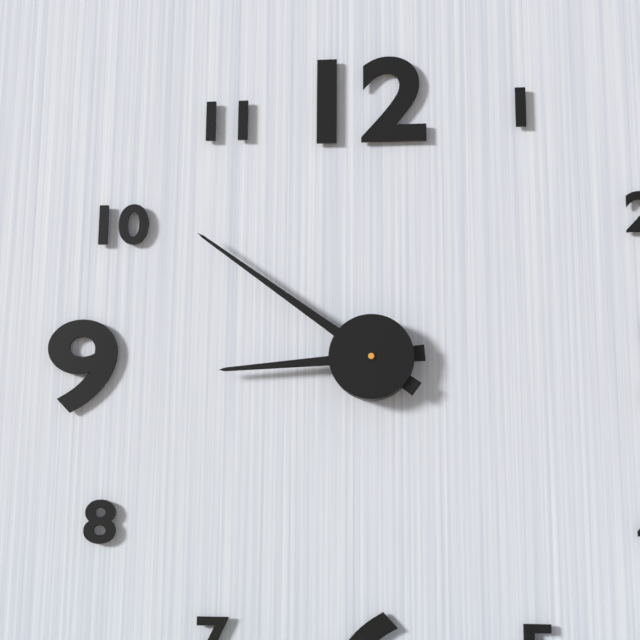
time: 8:51
